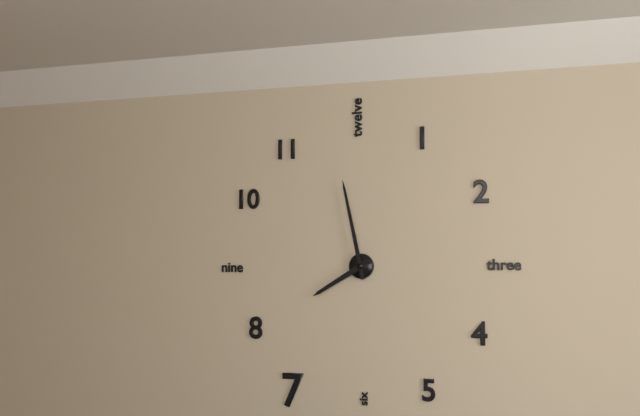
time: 7:58
